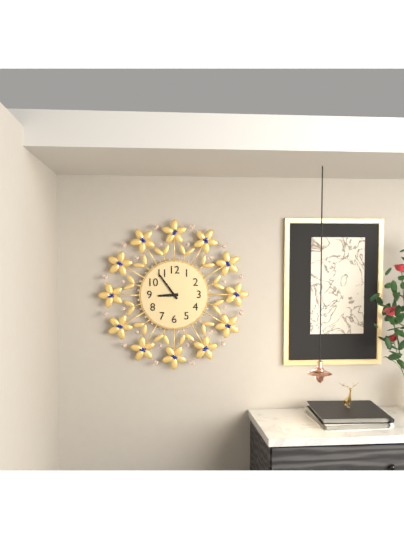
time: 8:54
